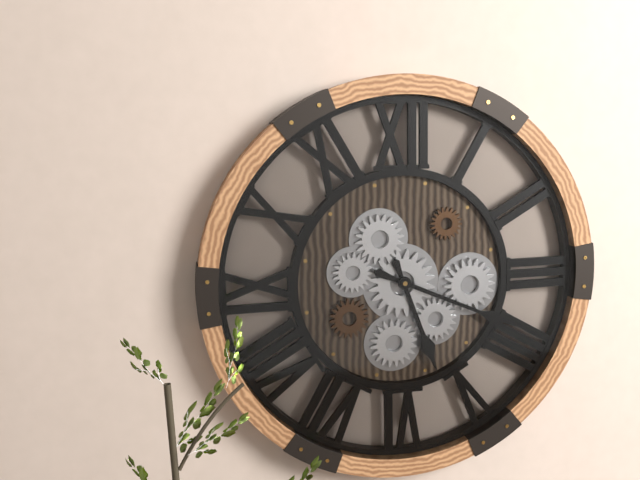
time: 5:19
